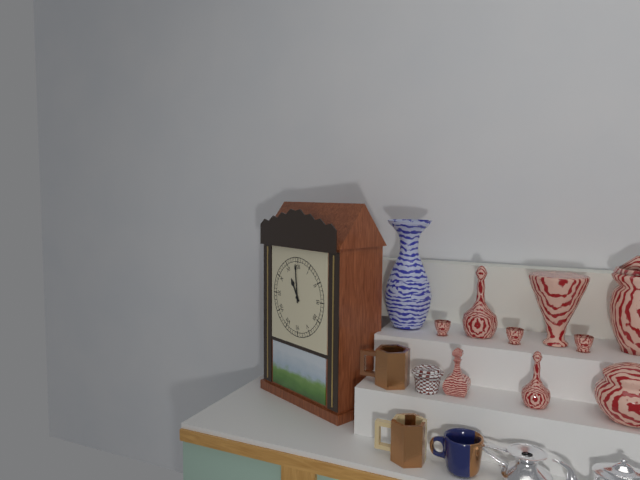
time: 10:59
